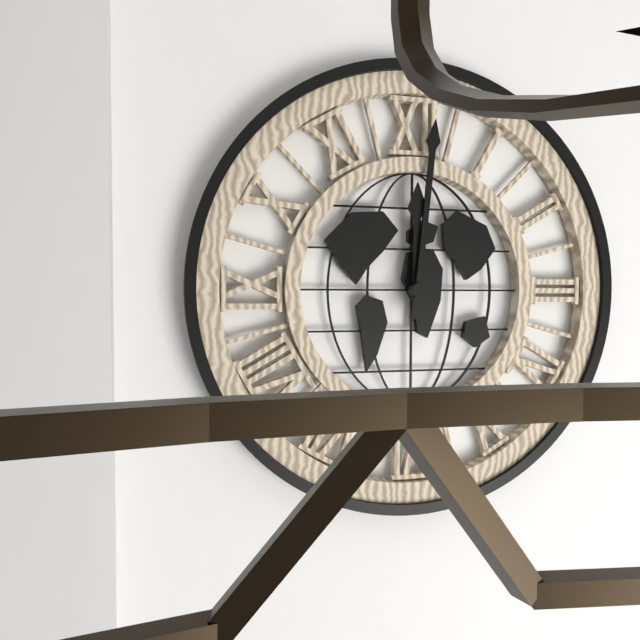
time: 12:01
